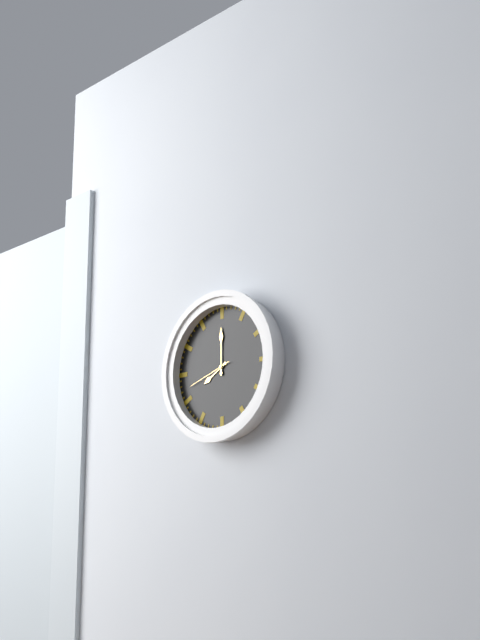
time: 8:00
